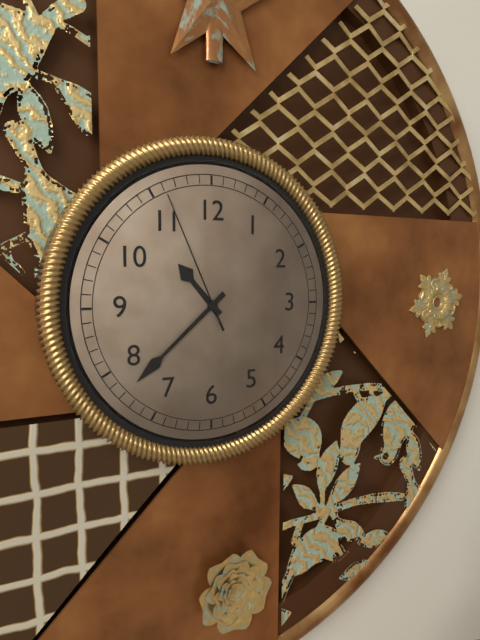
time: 10:38:56
